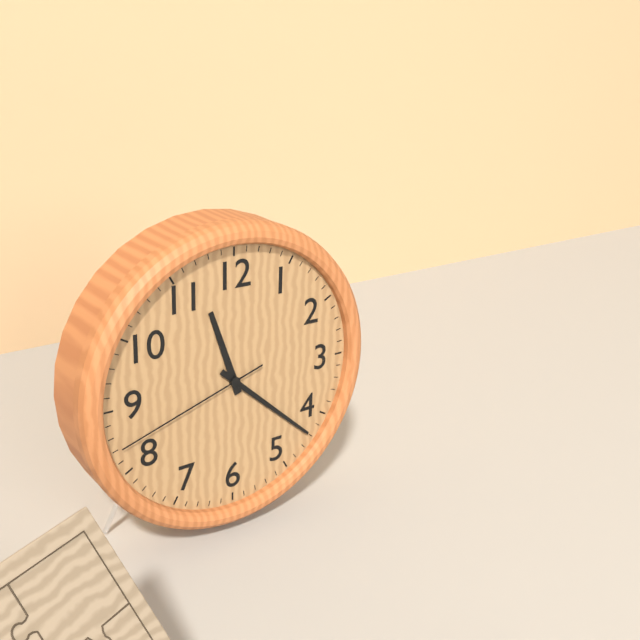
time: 11:22:42
